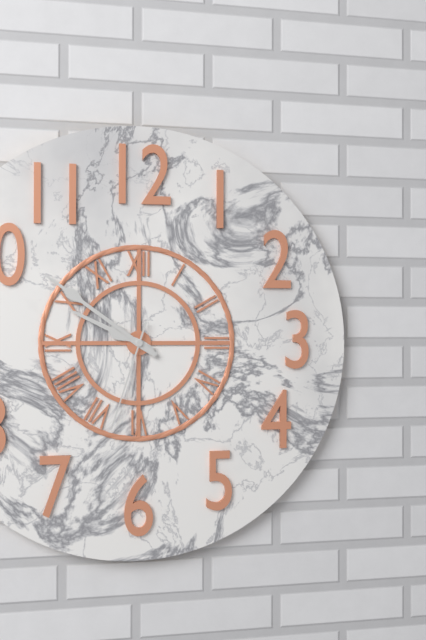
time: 9:51:33
